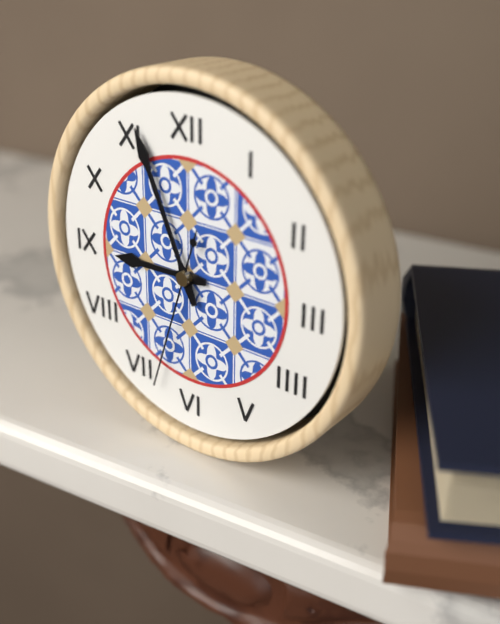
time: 8:56:33
